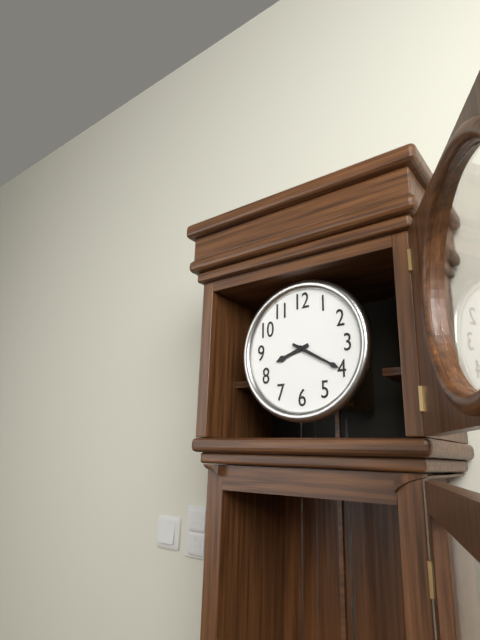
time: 8:20
